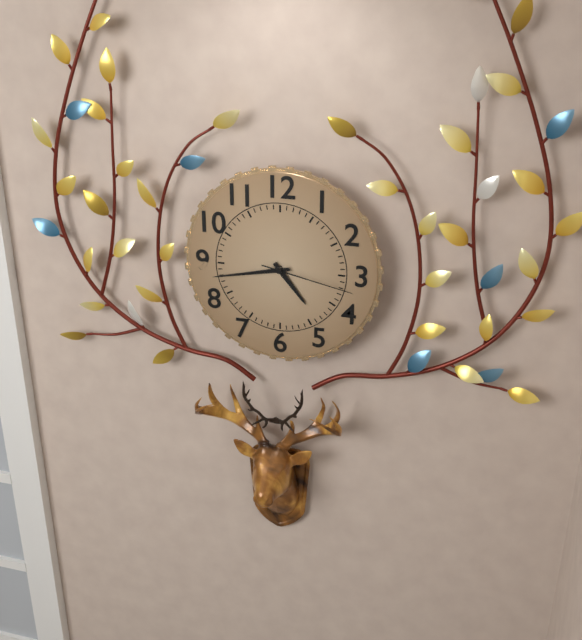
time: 4:43:17
